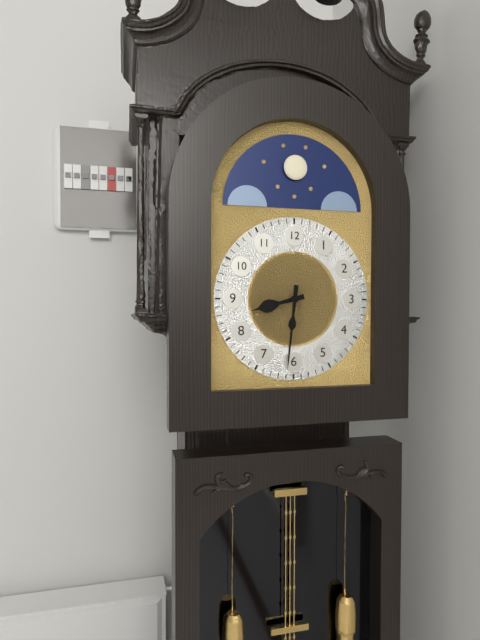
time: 8:31
